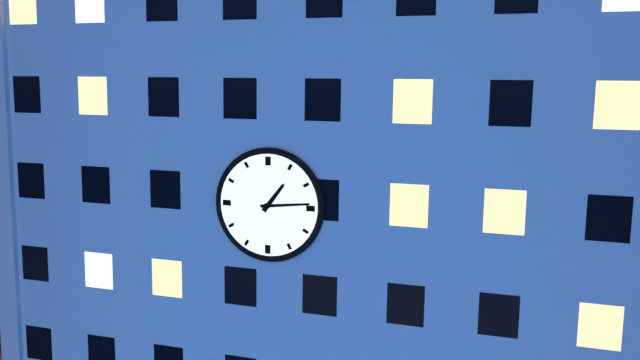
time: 1:14
